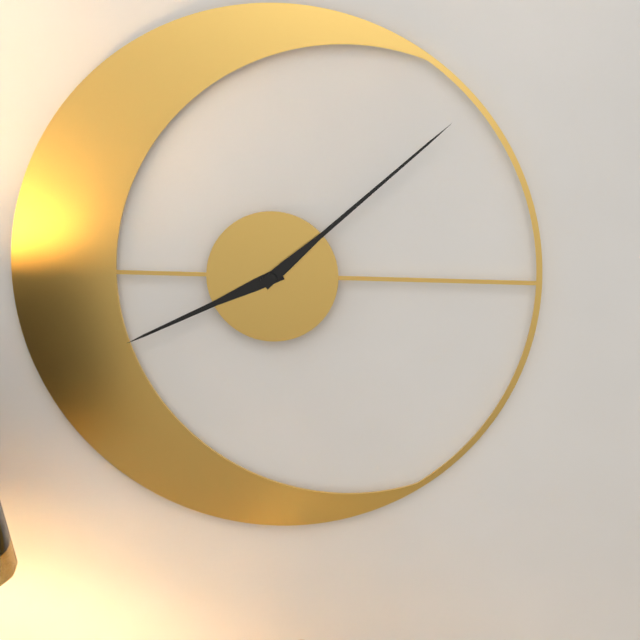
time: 8:08
